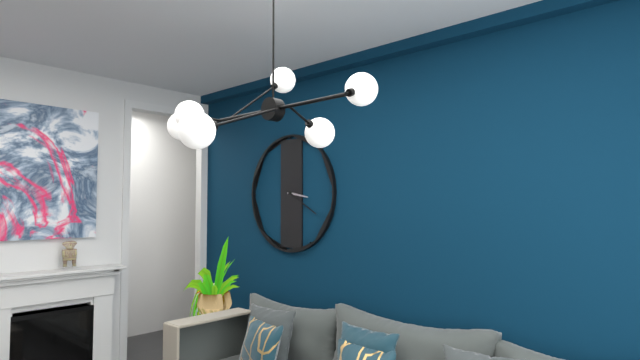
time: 3:20
